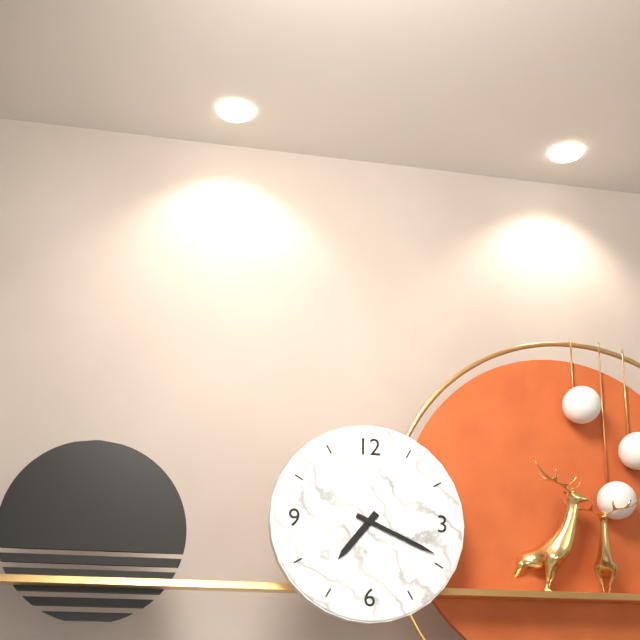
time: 7:19
